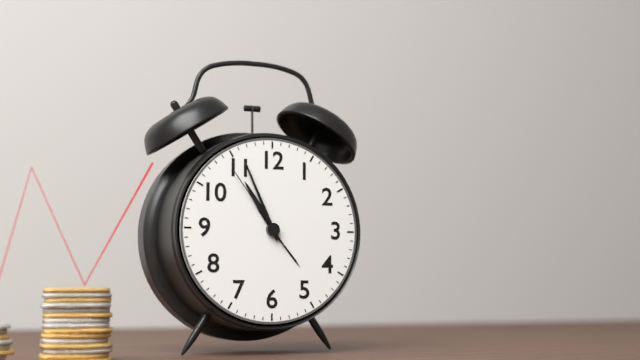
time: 10:56:54
